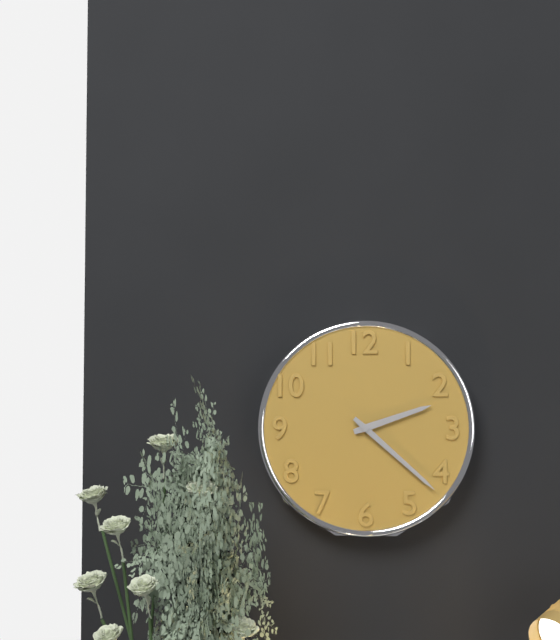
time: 2:22
